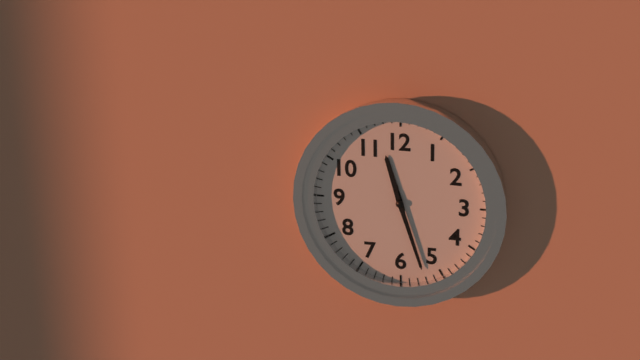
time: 11:27
